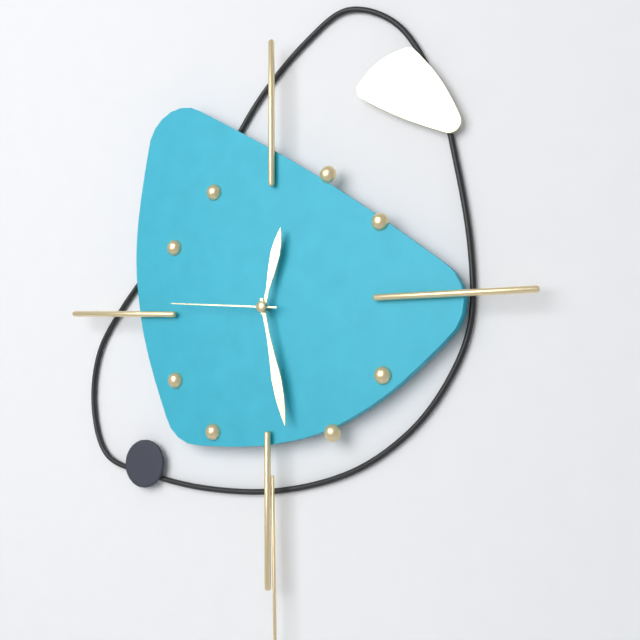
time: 12:28:46
